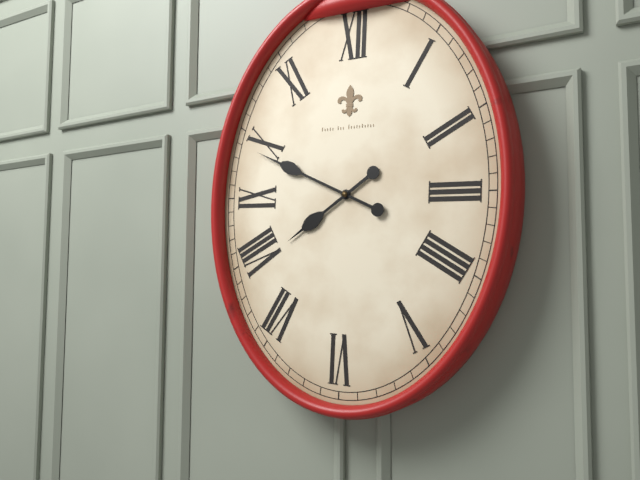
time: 7:49
